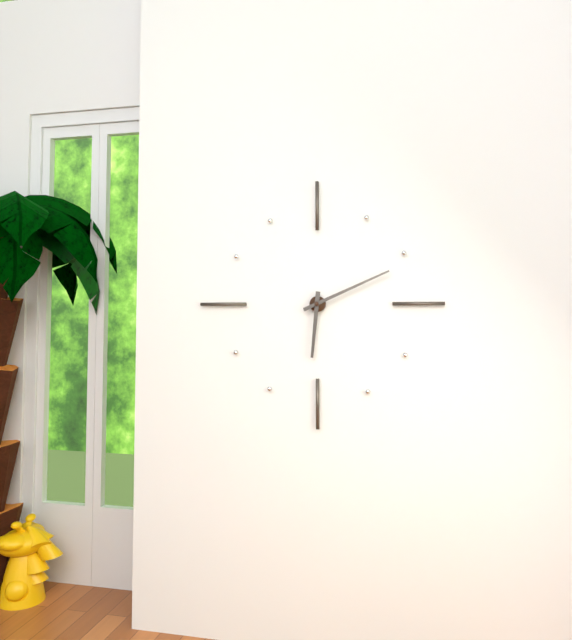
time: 6:11
